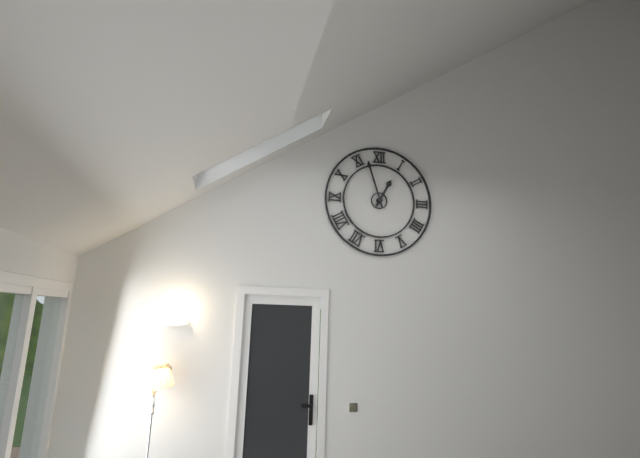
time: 12:57
